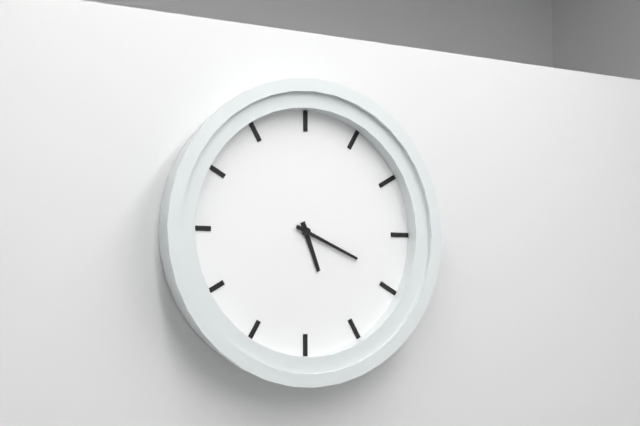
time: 5:19
